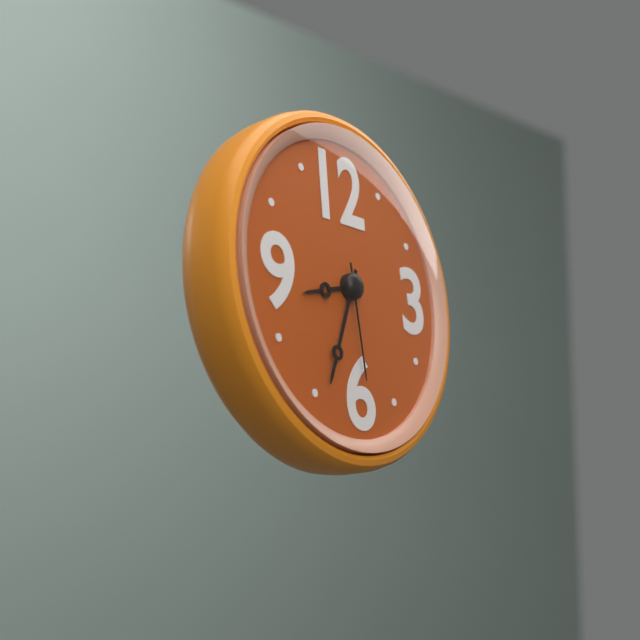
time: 8:34:29
